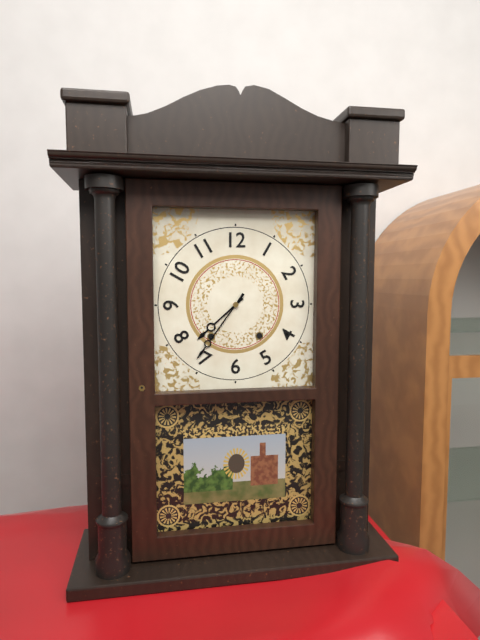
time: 7:36
